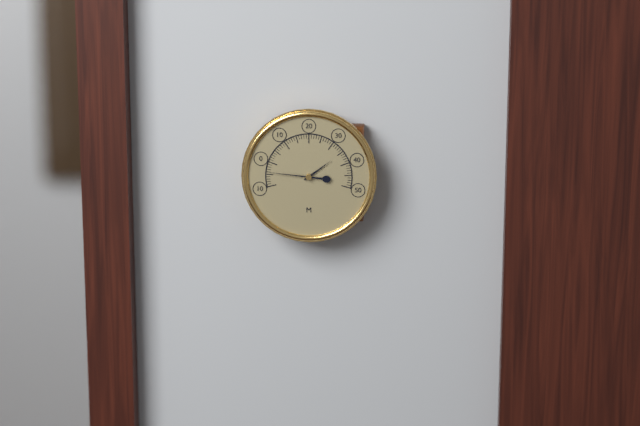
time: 1:46
